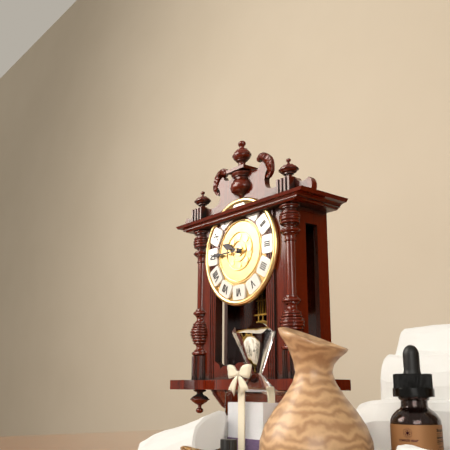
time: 9:45
